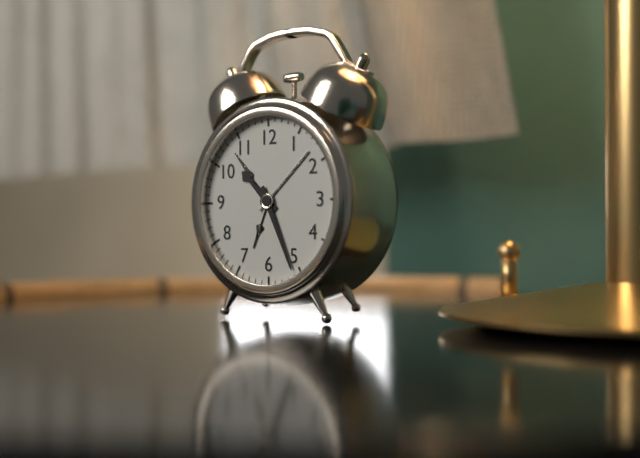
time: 10:26
